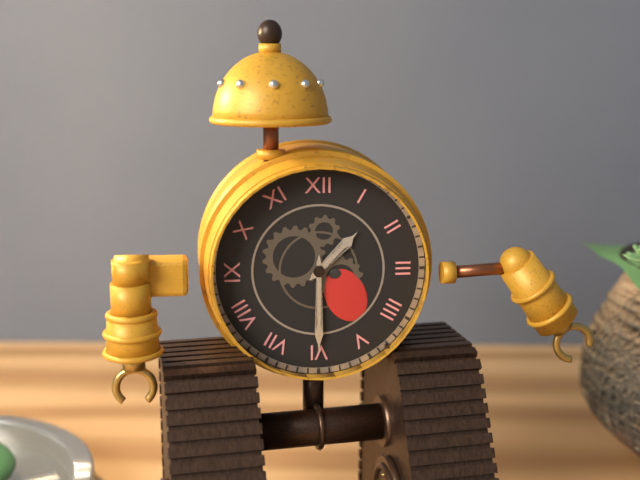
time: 1:30
